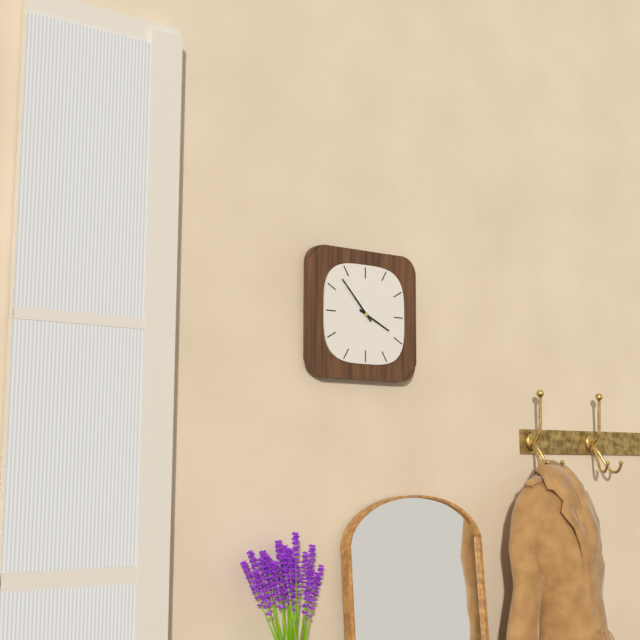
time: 3:53
